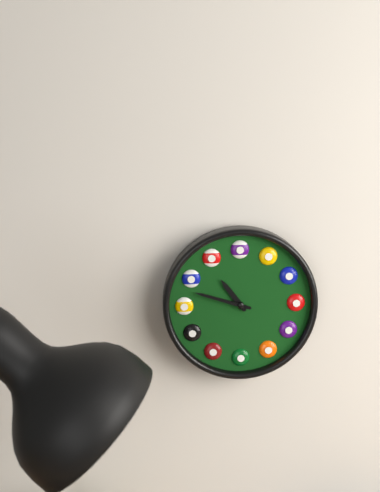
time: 10:48
